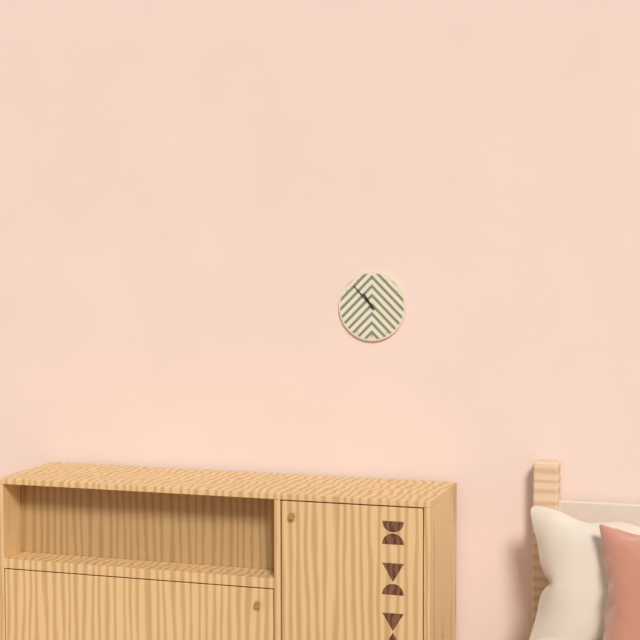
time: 10:53
